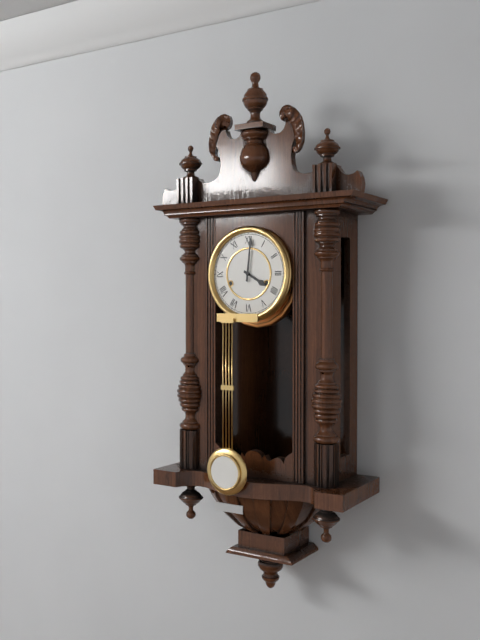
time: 4:01
